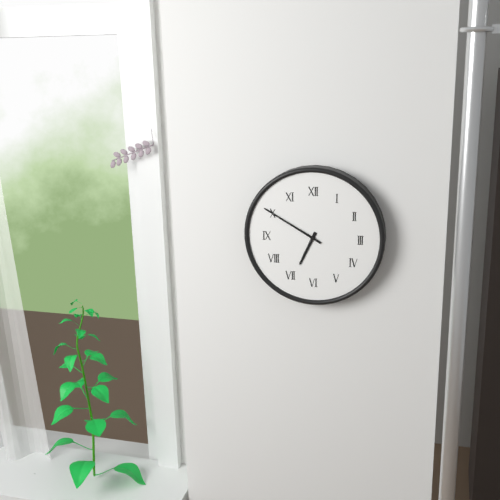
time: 6:50
